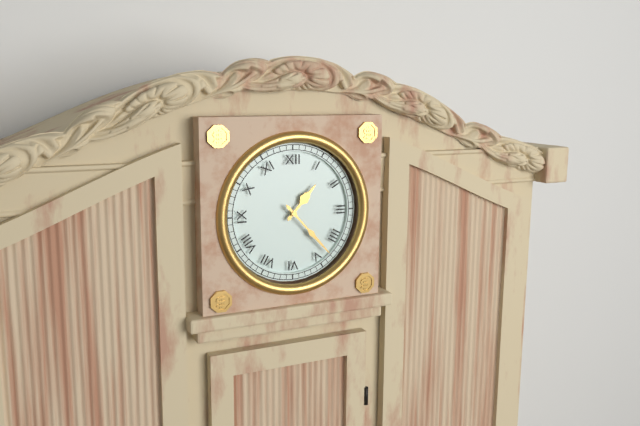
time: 1:23
